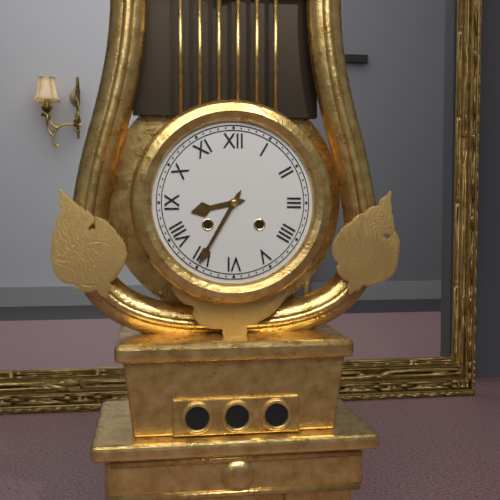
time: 8:35
